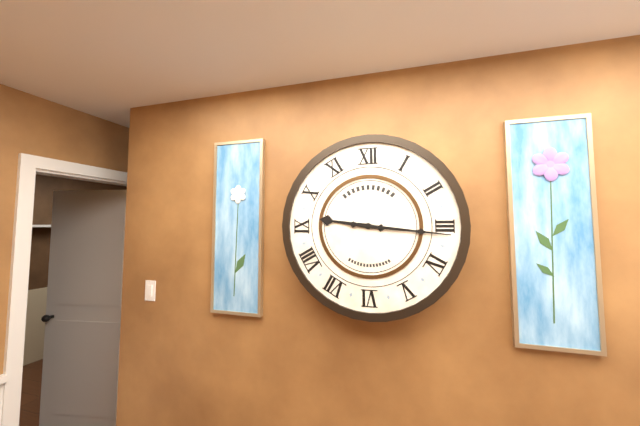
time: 9:16
